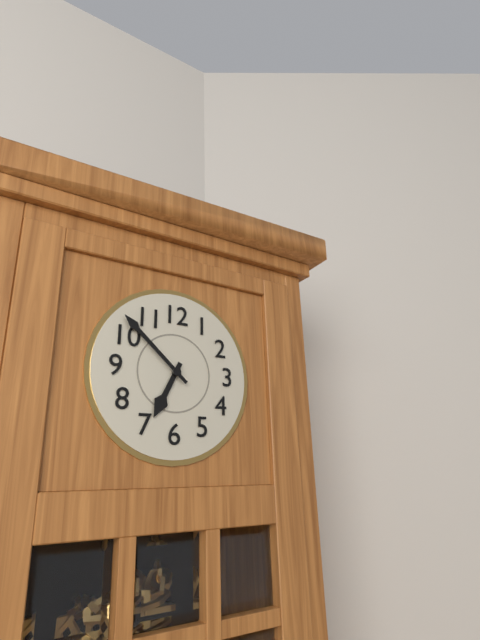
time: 6:52
